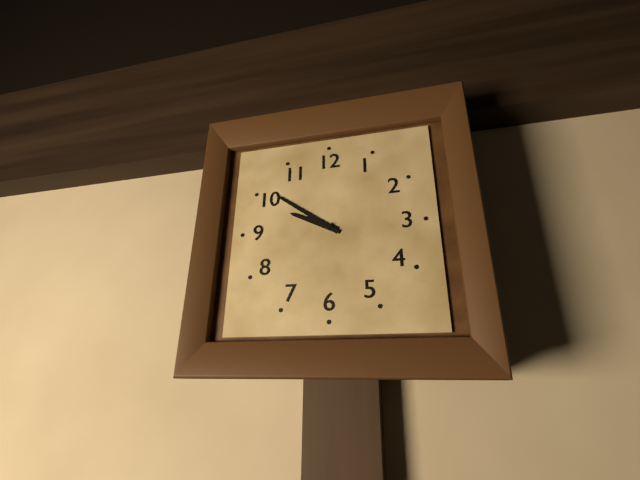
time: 9:51
